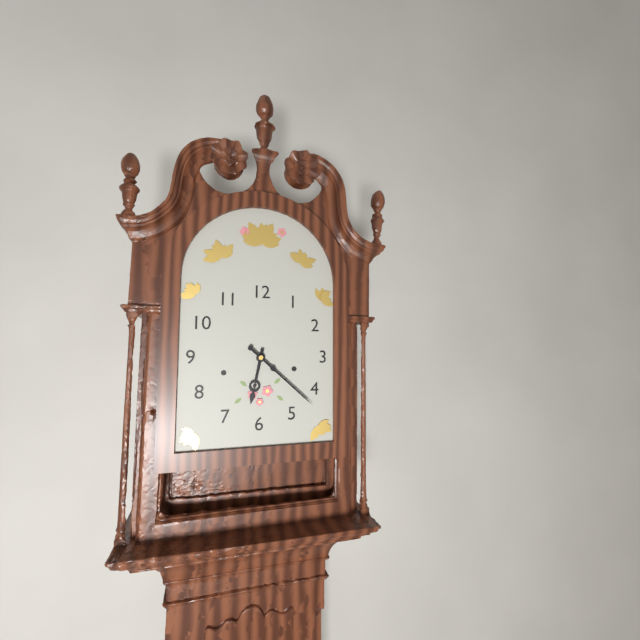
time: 6:22
